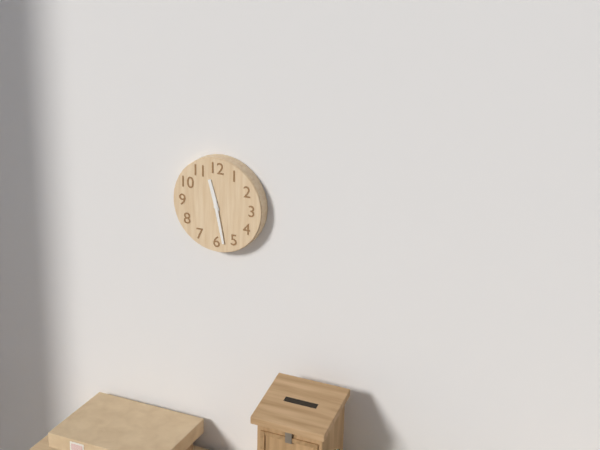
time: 11:28
